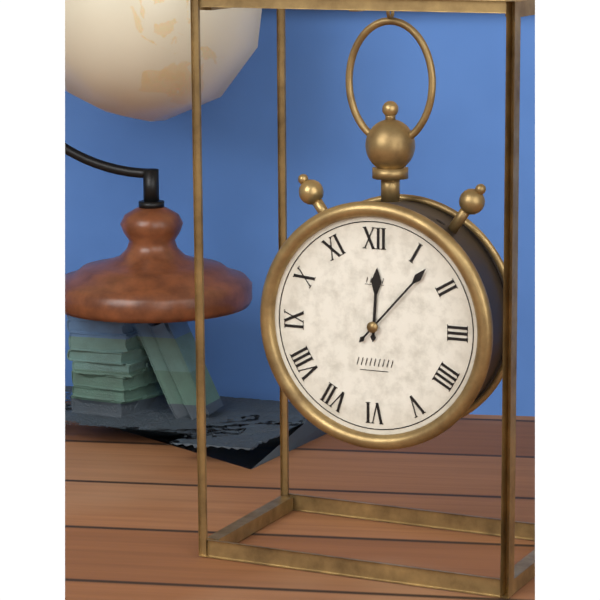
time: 12:07
